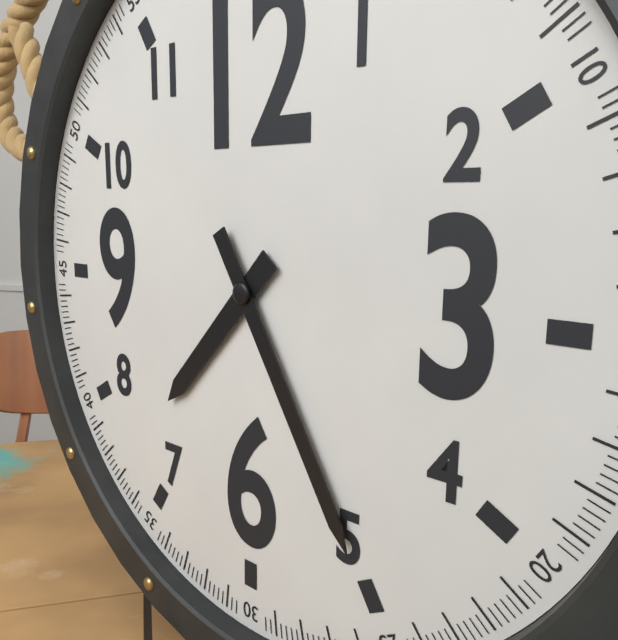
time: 7:25
